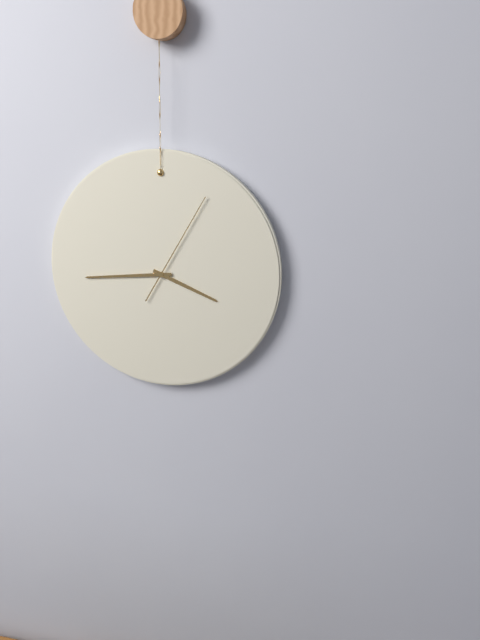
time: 3:44:05
